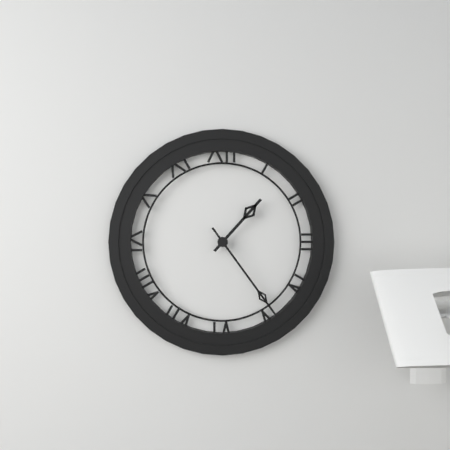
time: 1:24
